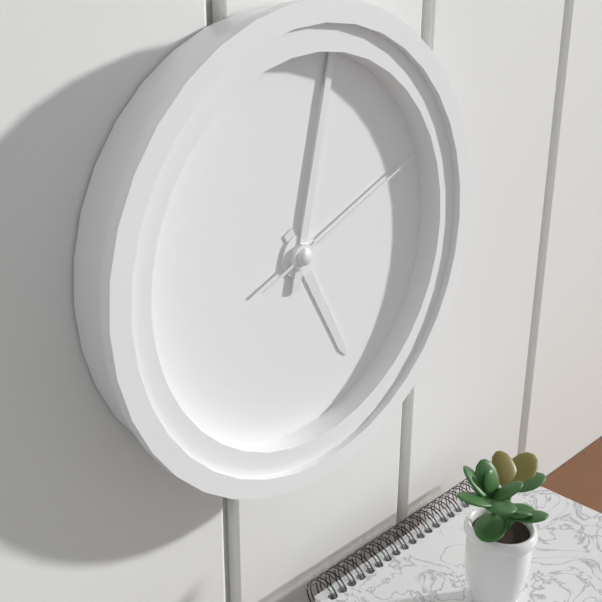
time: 5:02:11
